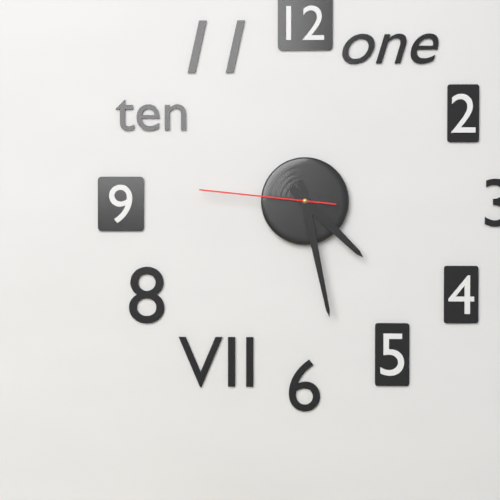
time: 4:28:46
